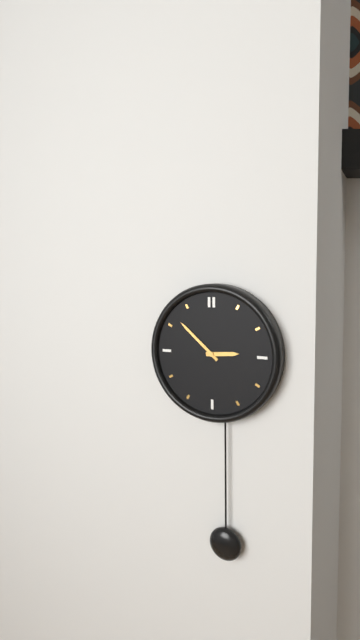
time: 2:52
